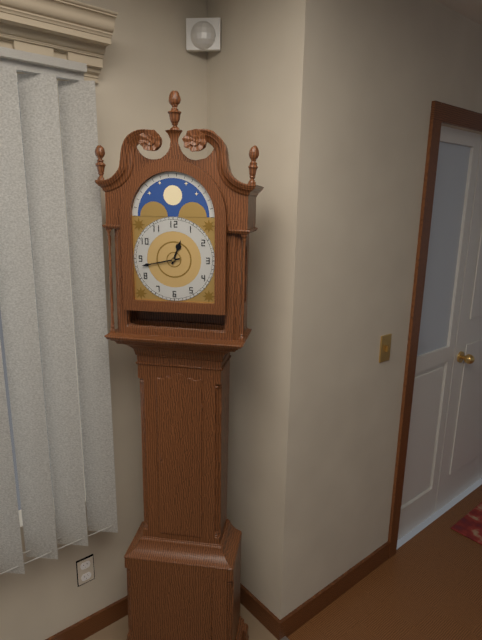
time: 12:43
